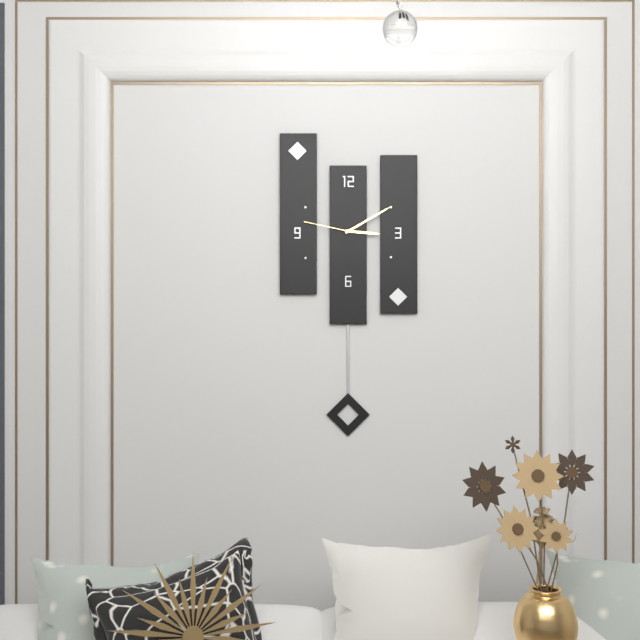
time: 3:10:47
